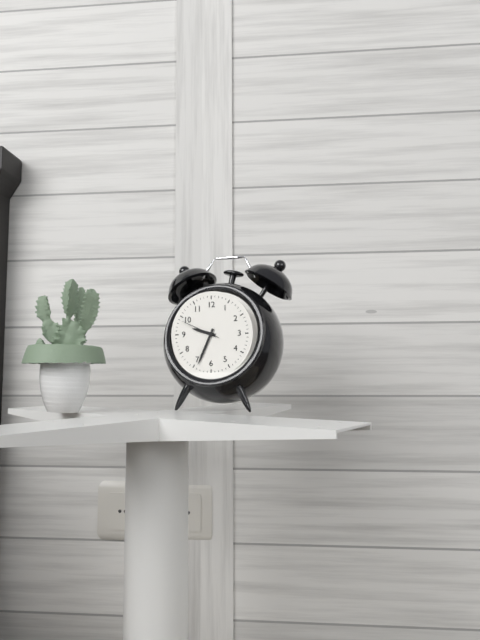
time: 9:34
